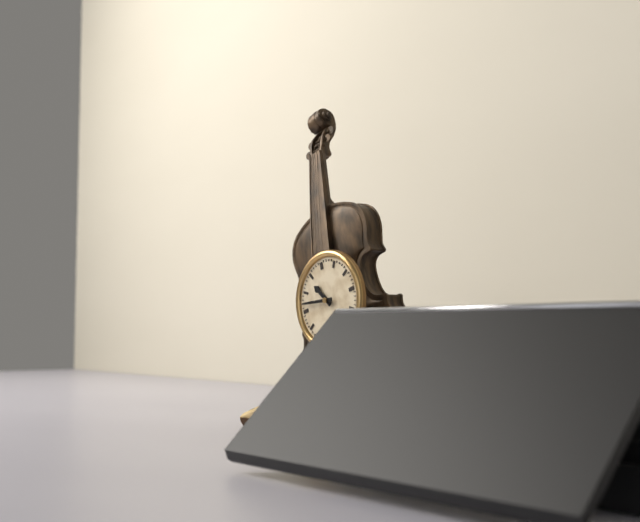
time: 10:47
